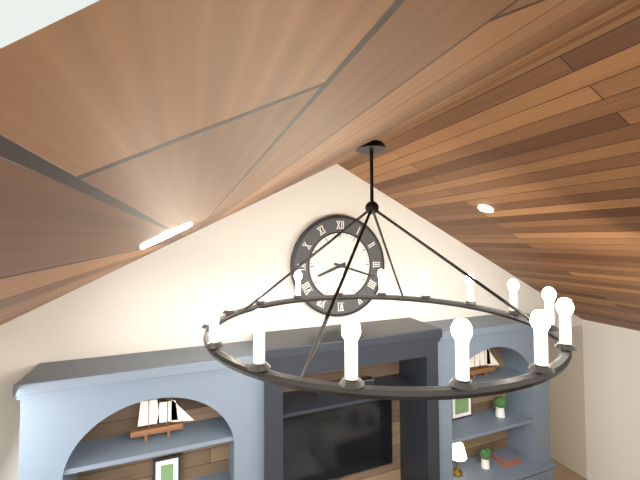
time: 8:18
